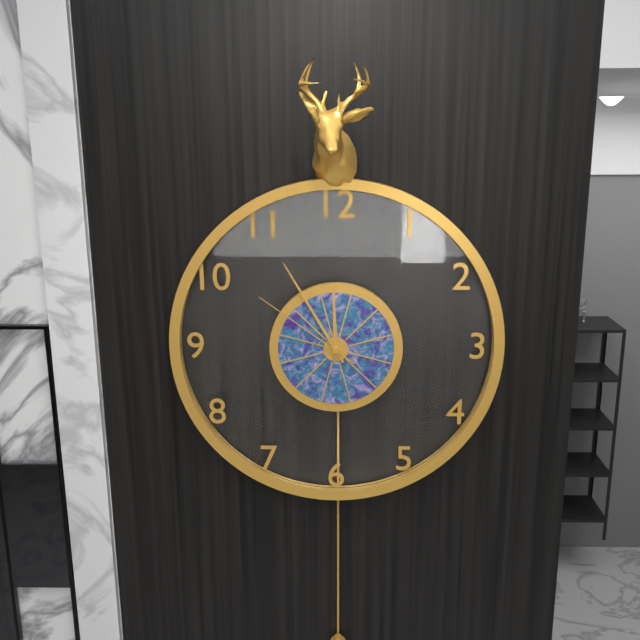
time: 11:55:51
